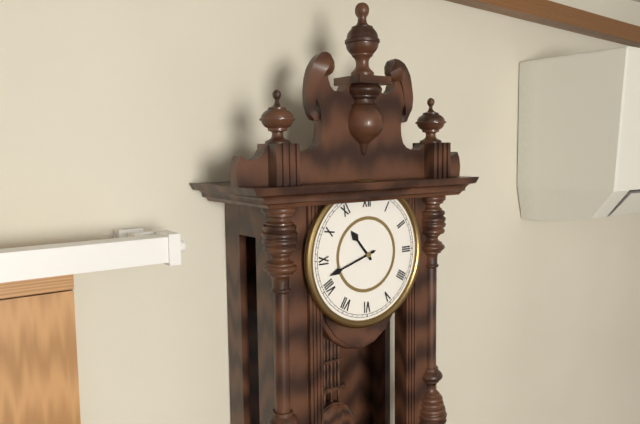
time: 10:42
